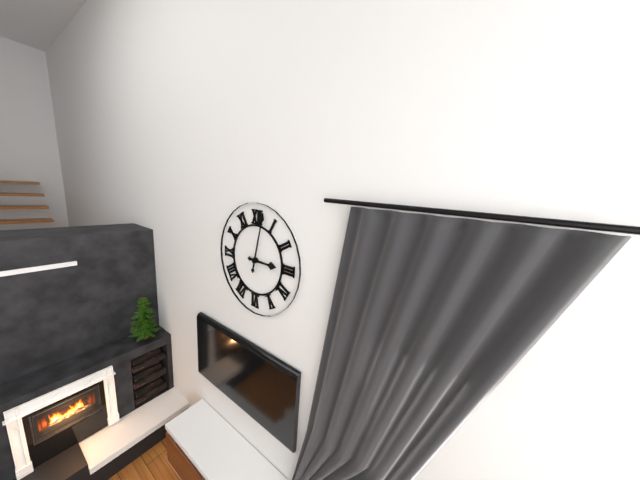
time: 3:02
